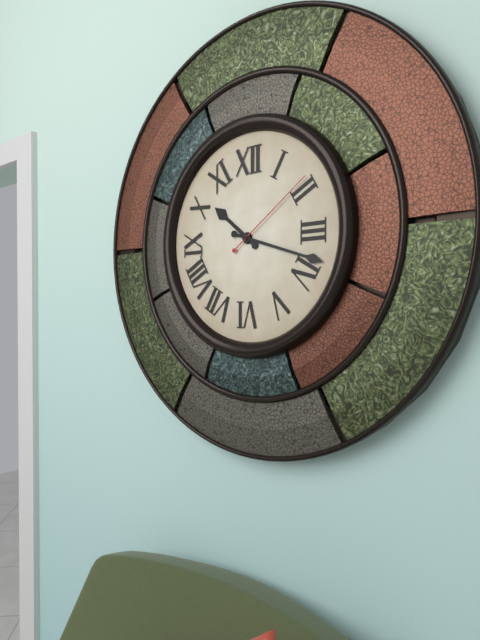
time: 10:18:09
